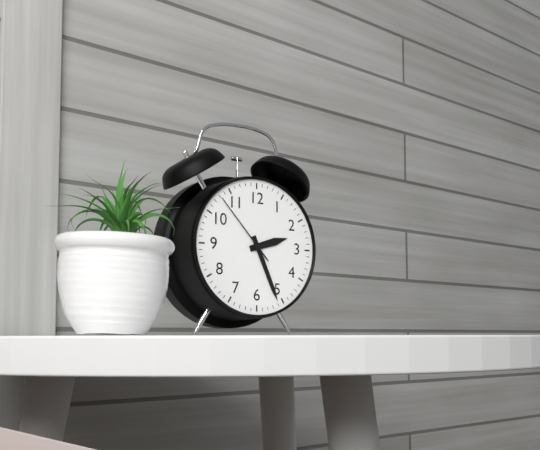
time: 2:26:53
